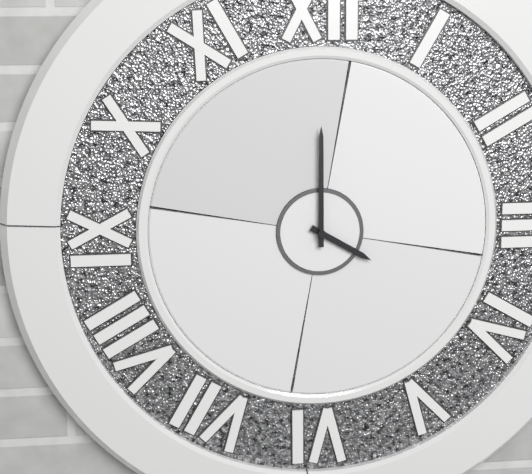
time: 4:00
